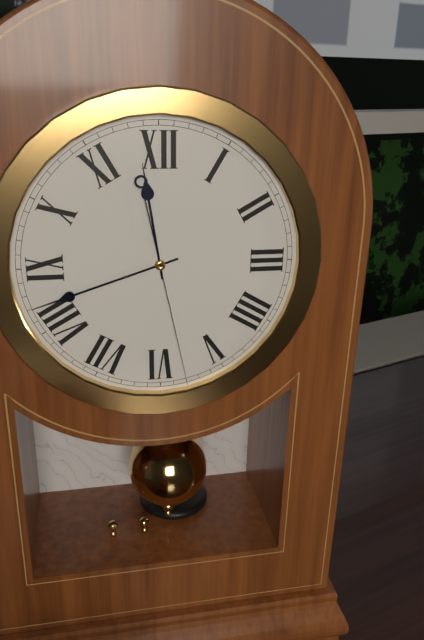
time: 11:42:28
